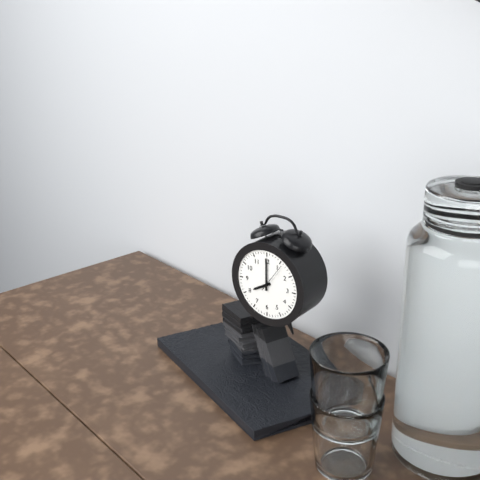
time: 8:00
